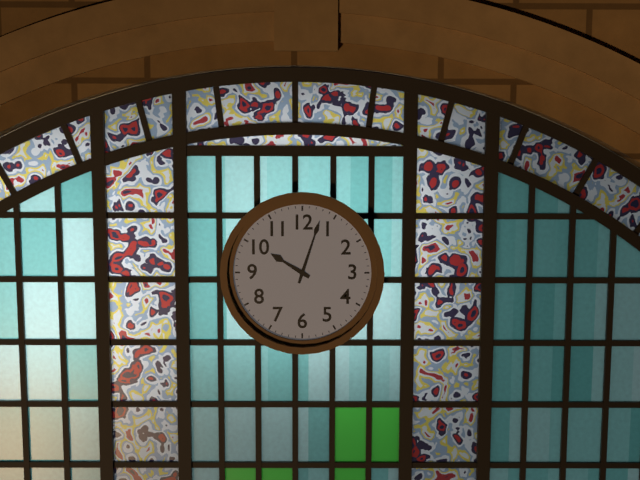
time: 10:03
